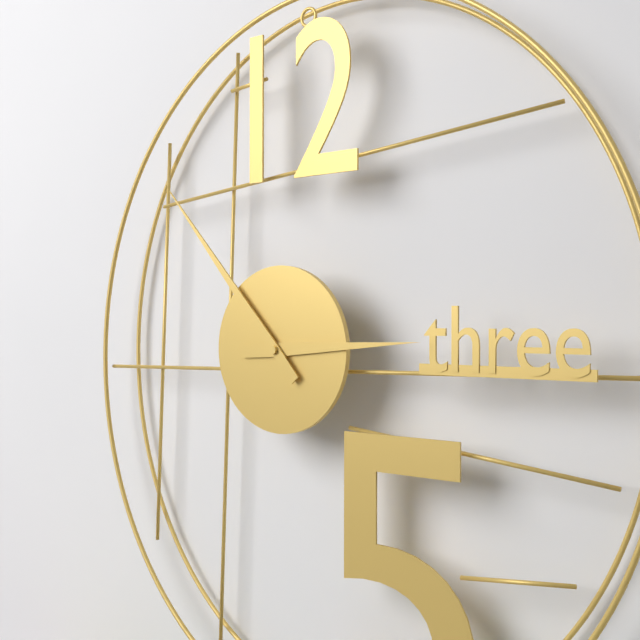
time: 2:53
